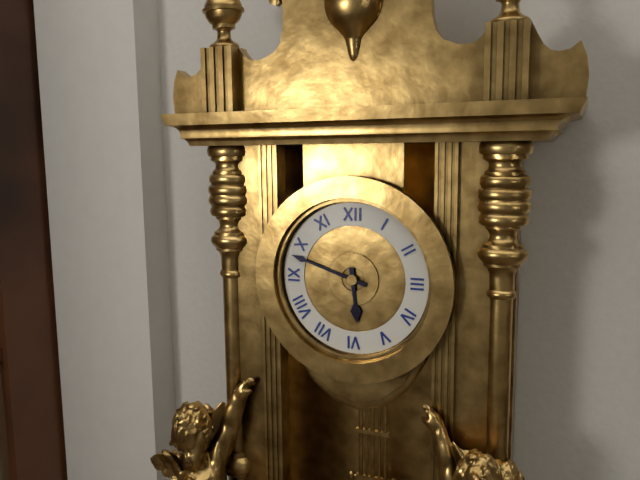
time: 5:48
